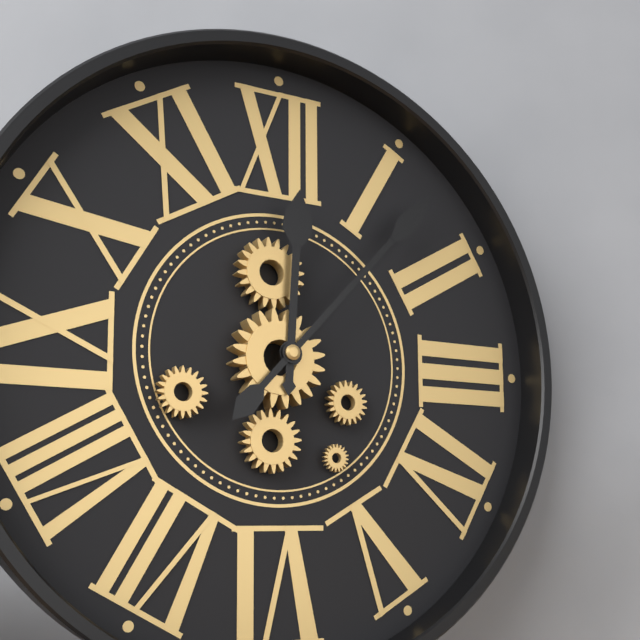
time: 12:07
